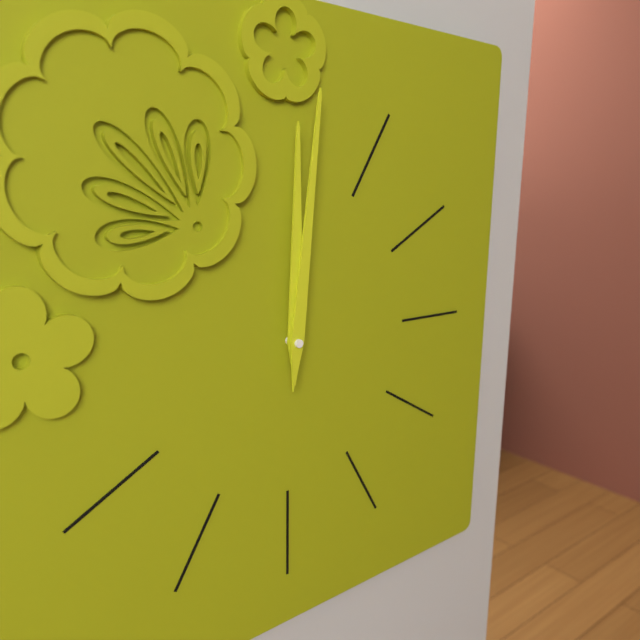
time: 12:01
